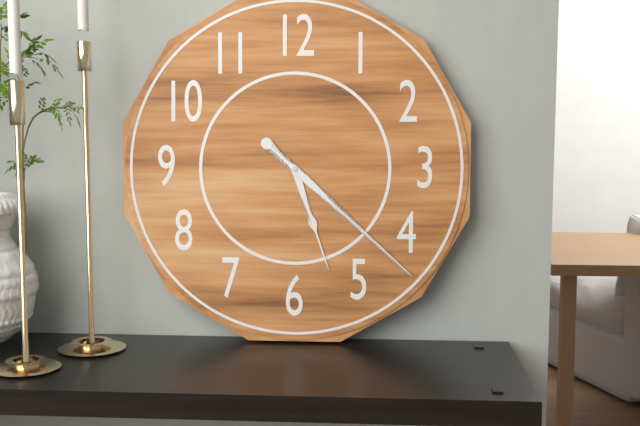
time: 5:22
